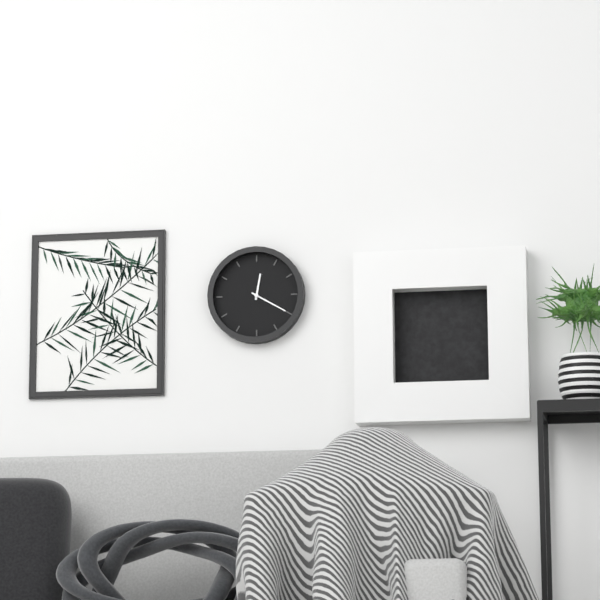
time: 12:20
